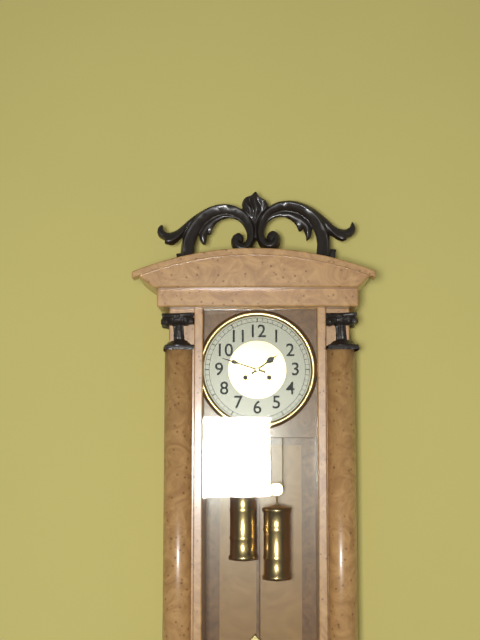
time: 1:48
